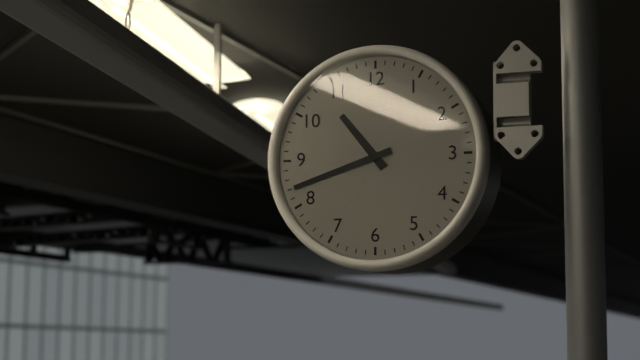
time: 10:42
